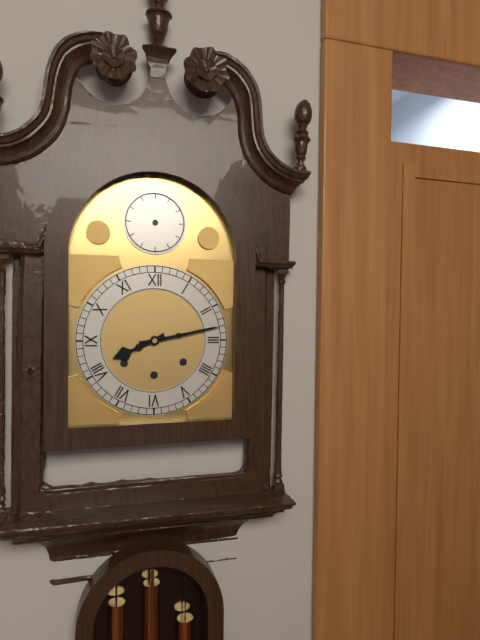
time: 8:13
